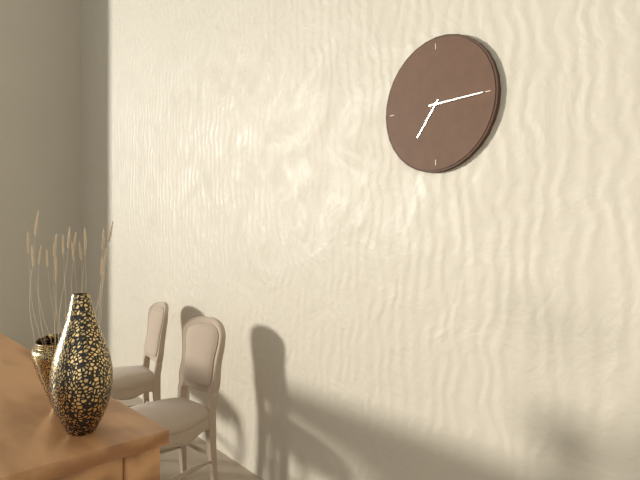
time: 7:15
